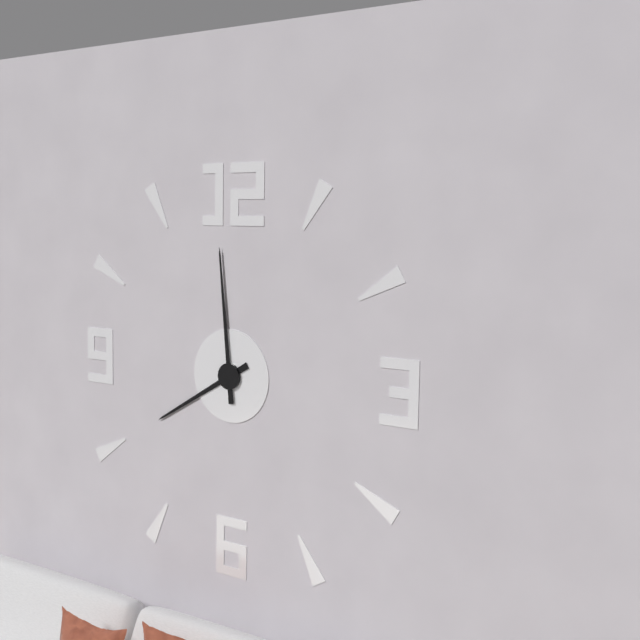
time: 7:59
